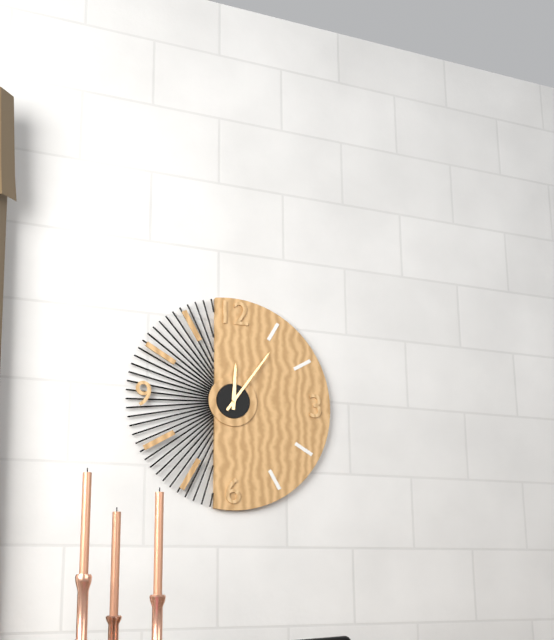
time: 12:06
